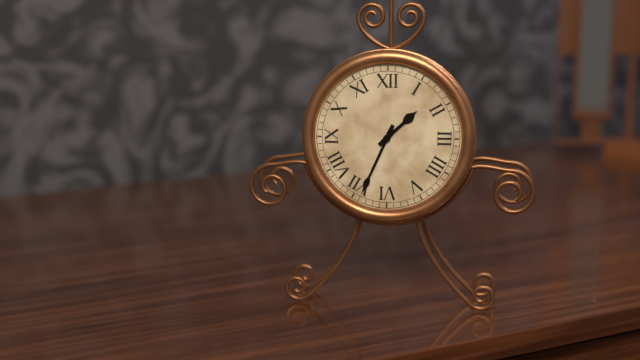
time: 1:34
